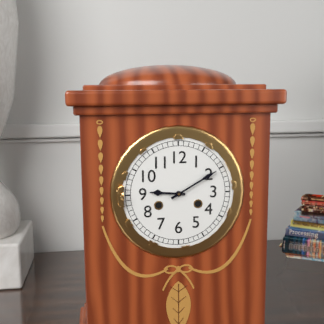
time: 9:10
